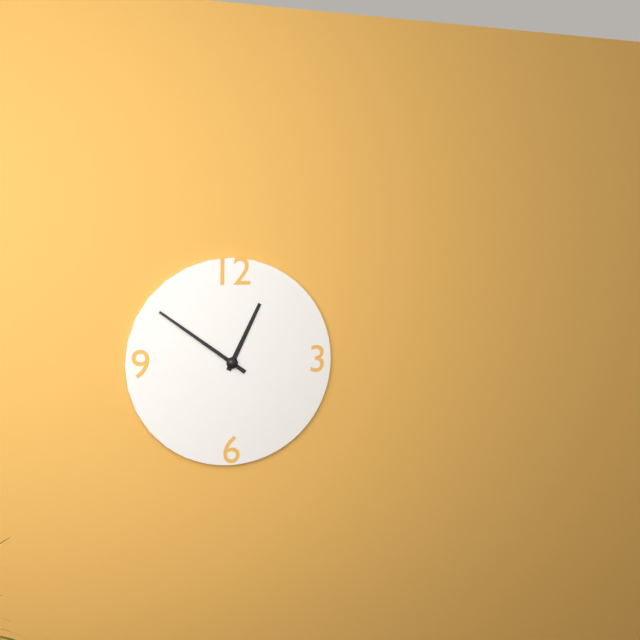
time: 12:51
